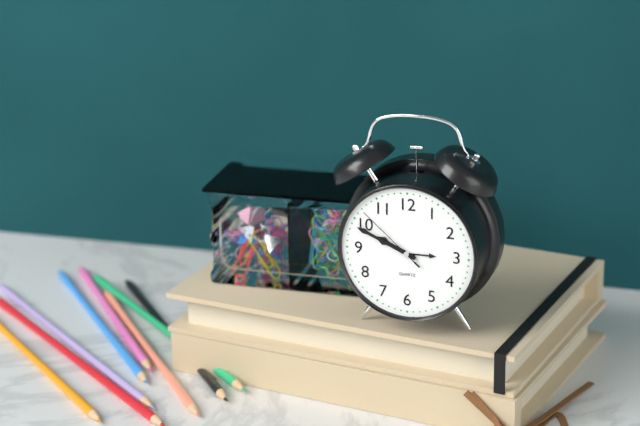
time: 9:49:52
